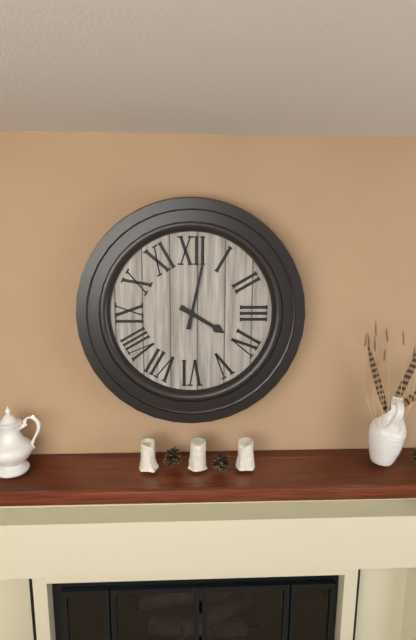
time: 4:02
